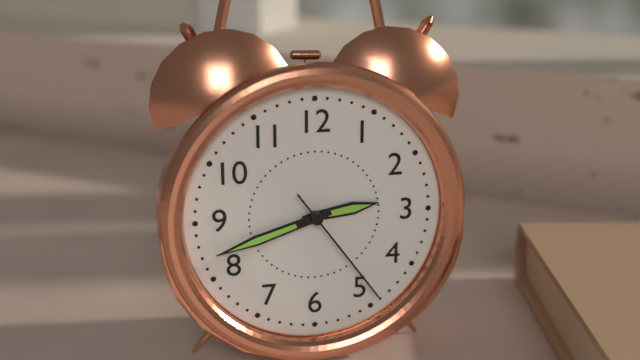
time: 2:42:24
